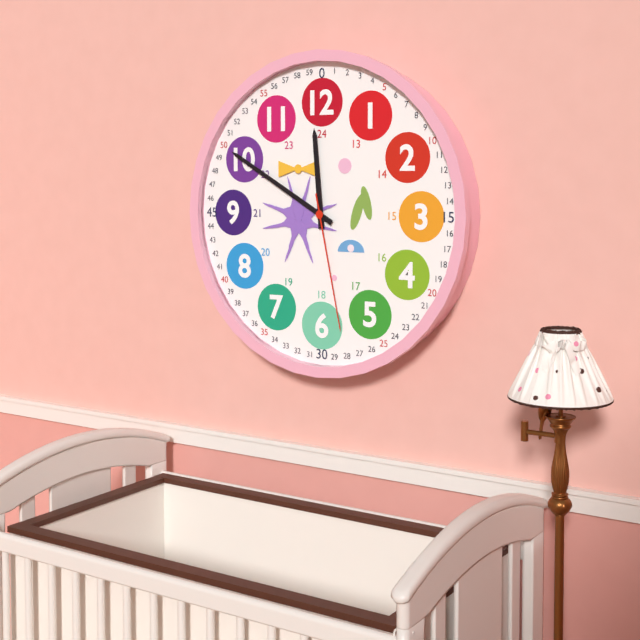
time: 11:50:28
